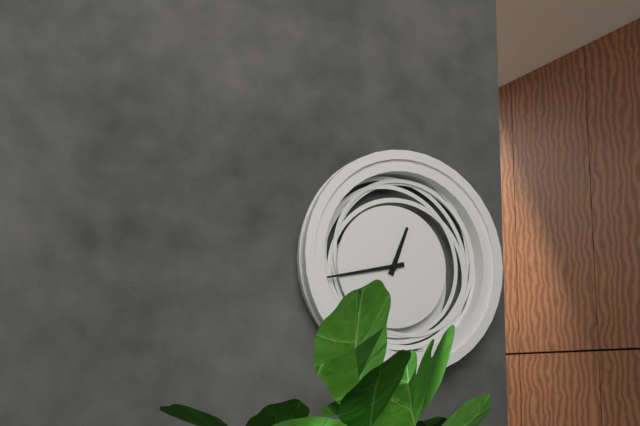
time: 12:43
